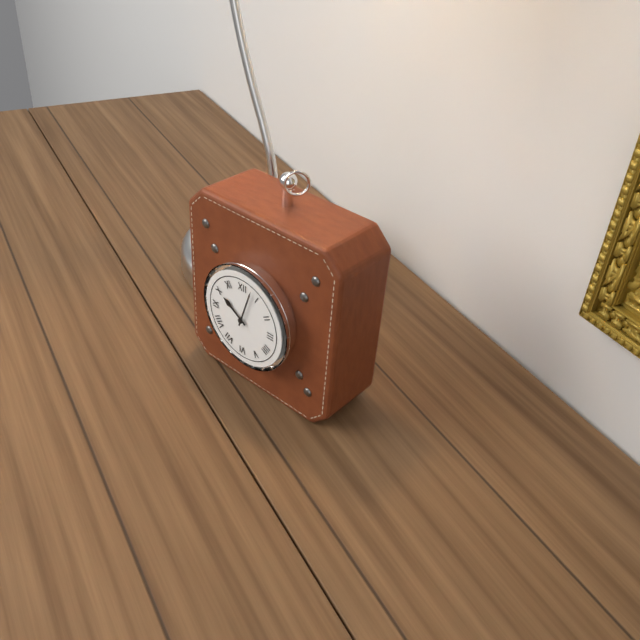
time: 10:03
